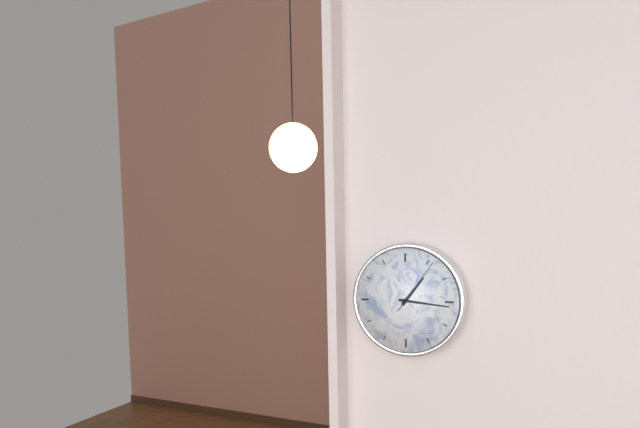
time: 1:16:06
